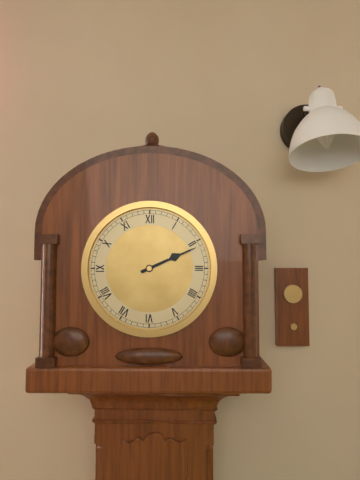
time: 2:11
